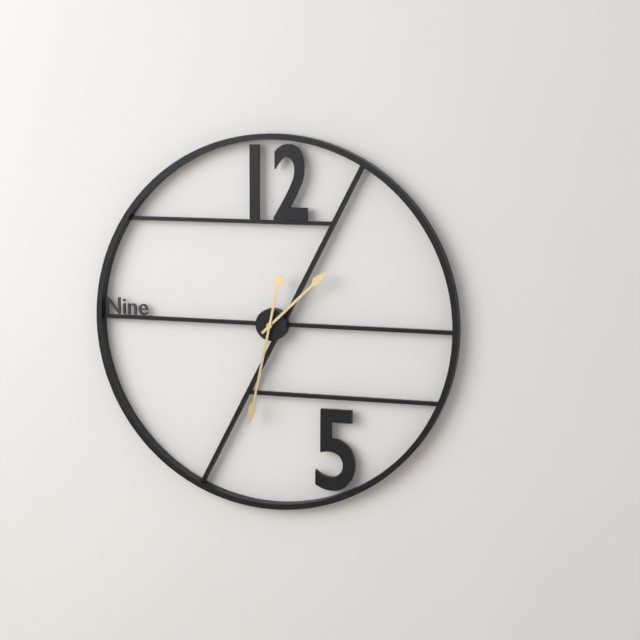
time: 1:32
